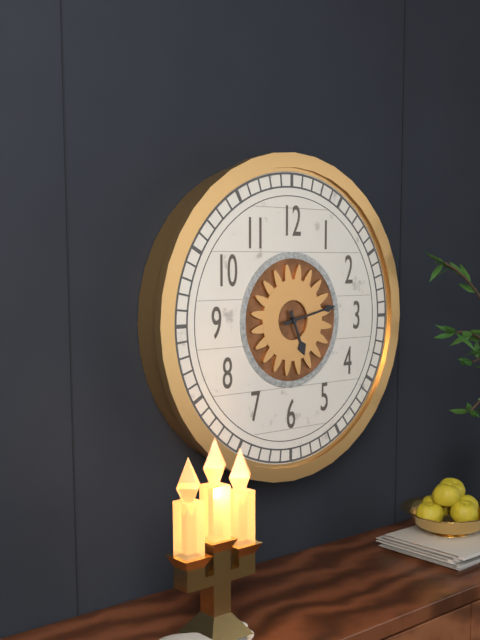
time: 5:13
